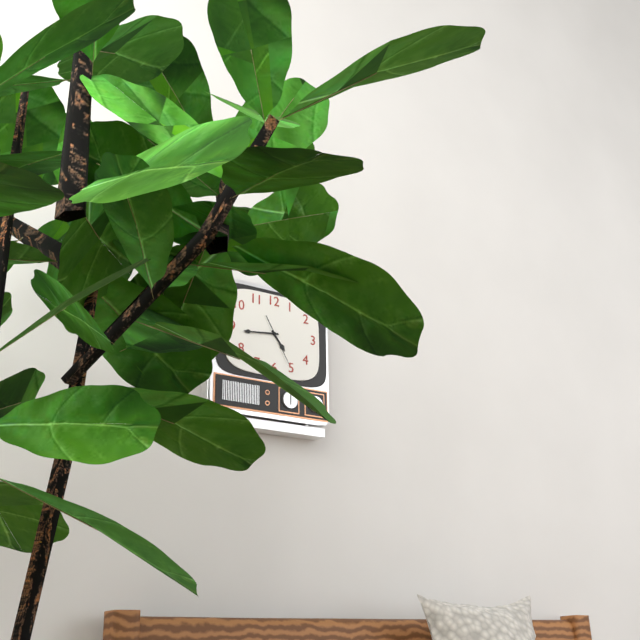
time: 4:44
